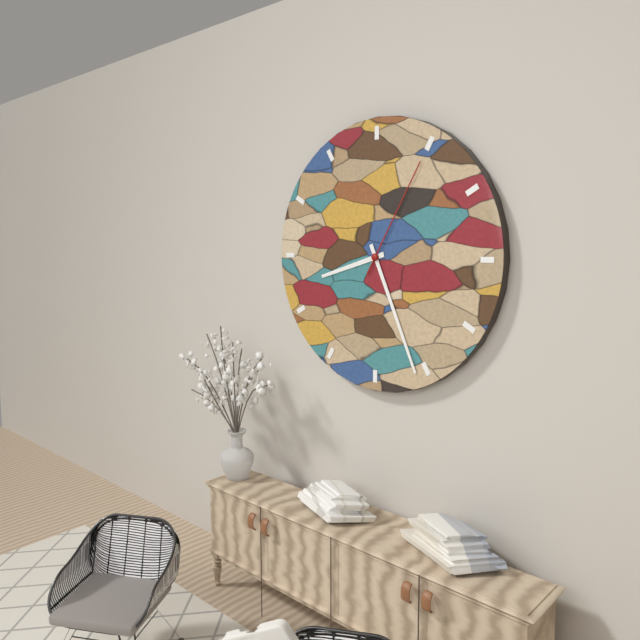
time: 8:26:05
